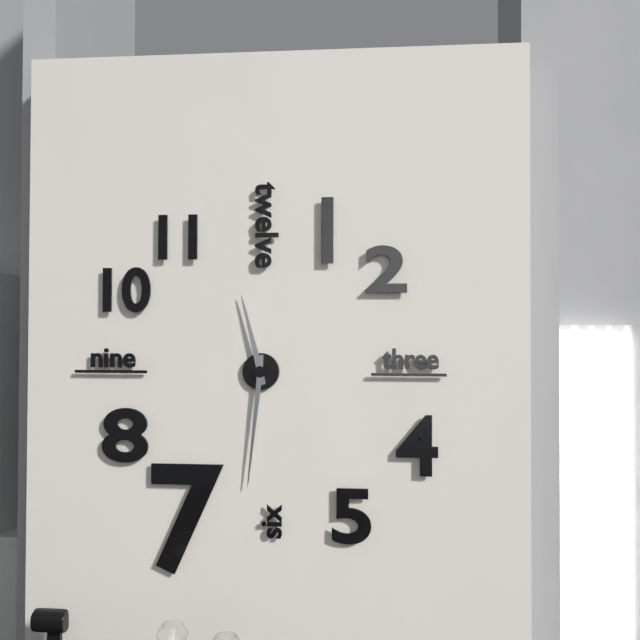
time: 11:31
